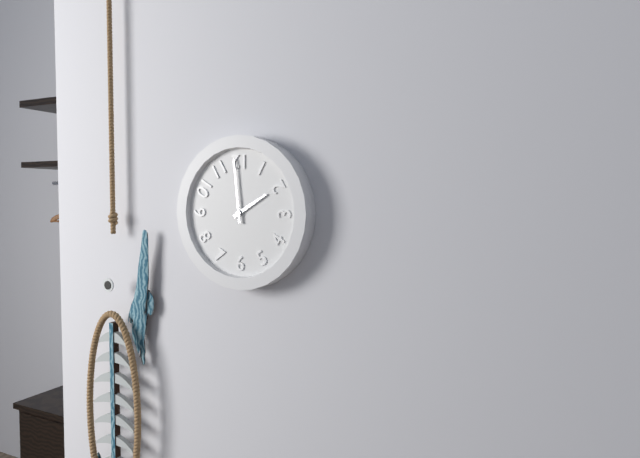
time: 1:59
